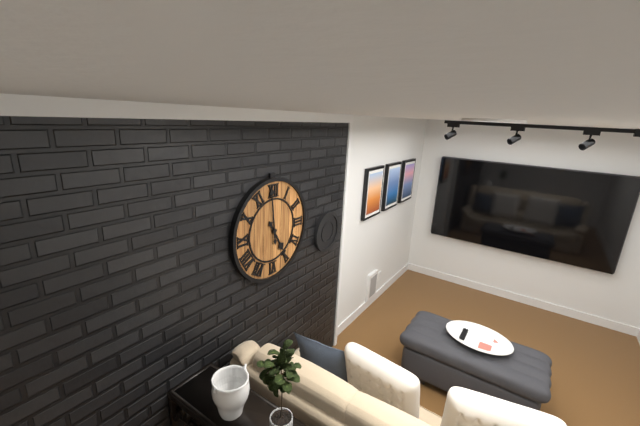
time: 4:59
